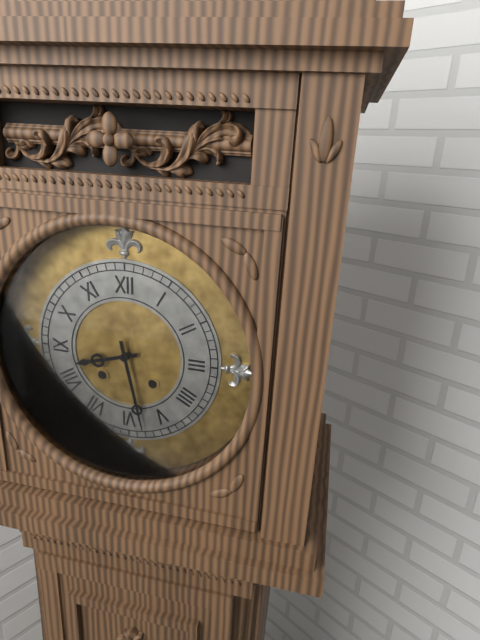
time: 8:28
